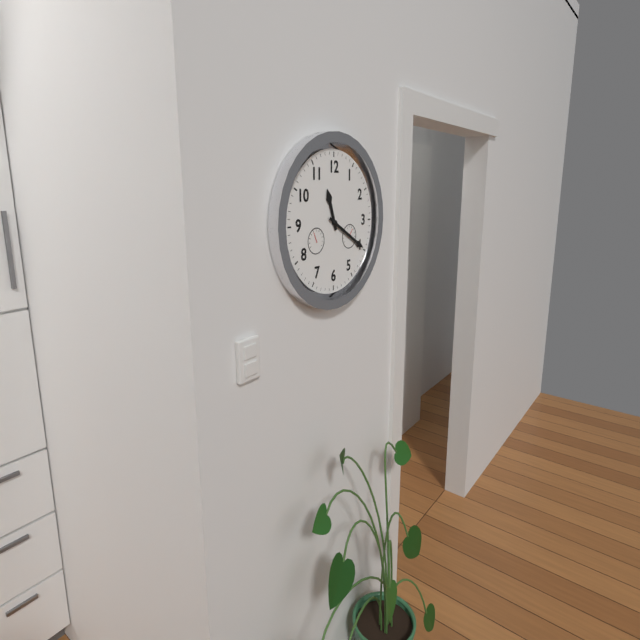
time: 11:20
